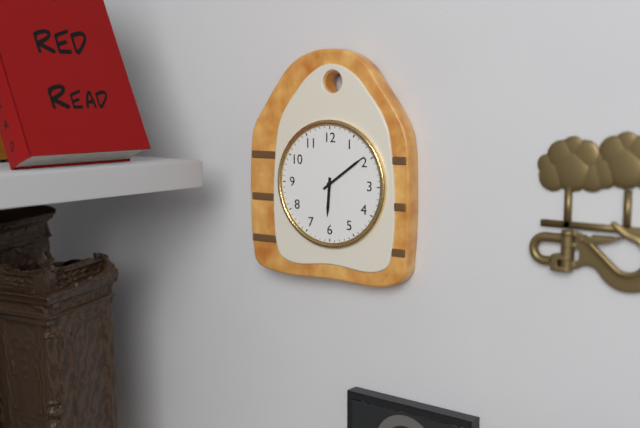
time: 6:09
